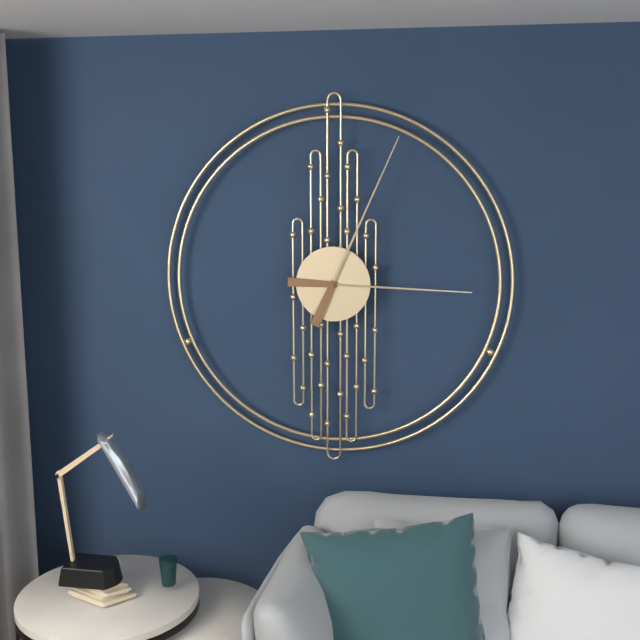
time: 3:04
